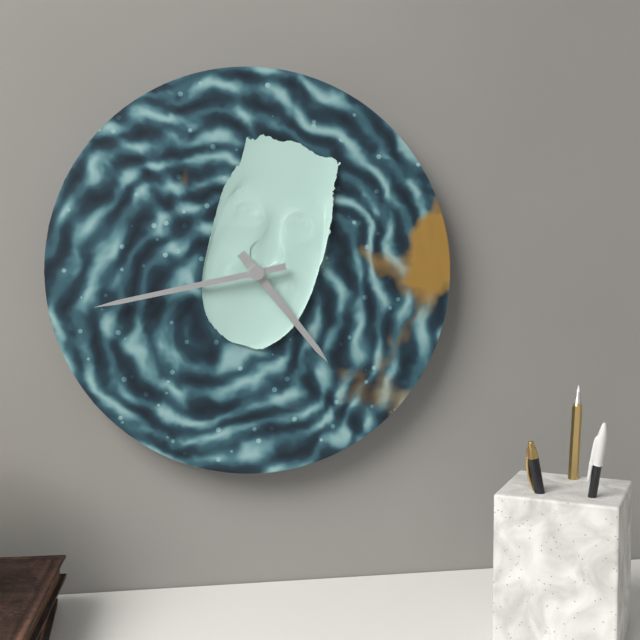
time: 4:43
